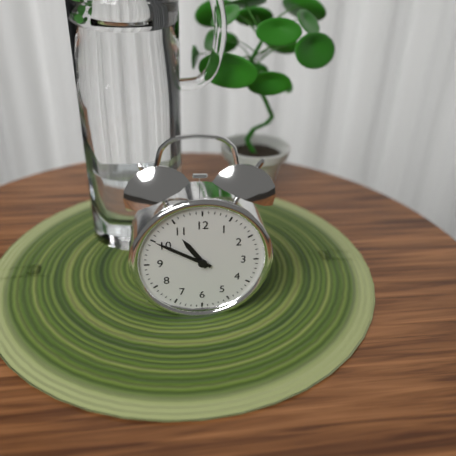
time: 10:50
